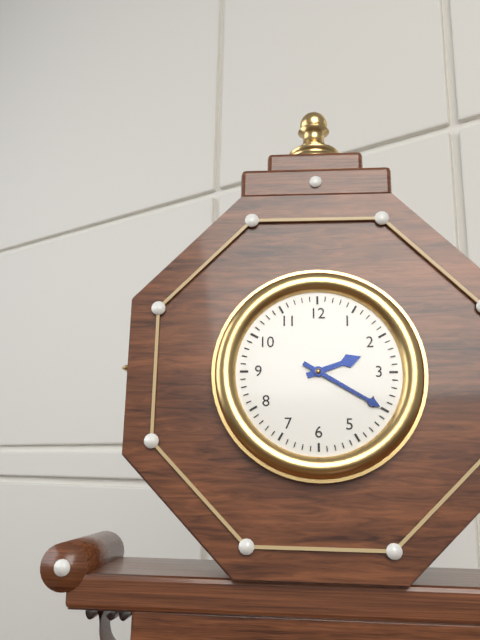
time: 2:20
